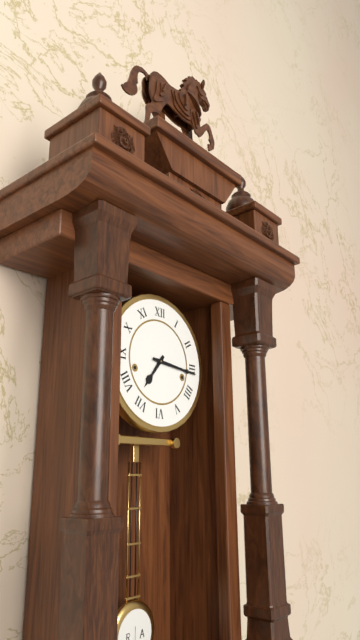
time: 7:16
